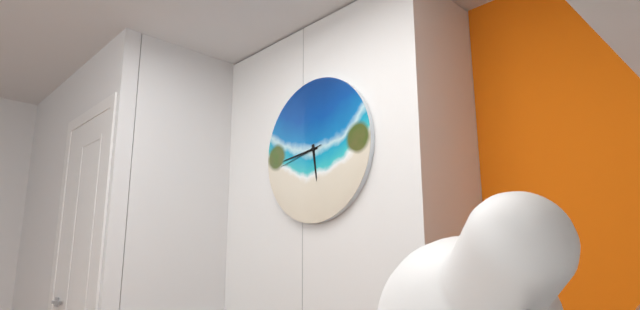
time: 5:44
